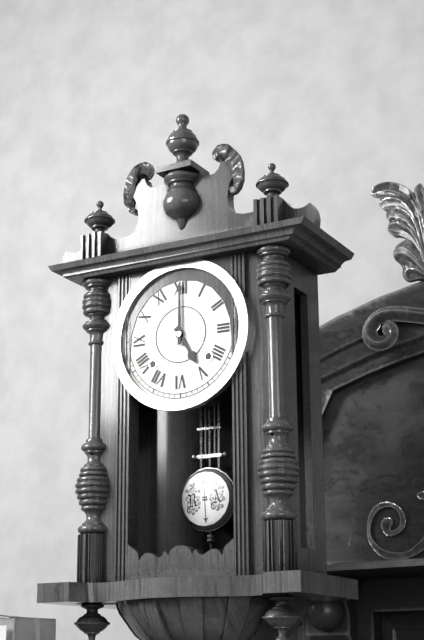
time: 5:00
